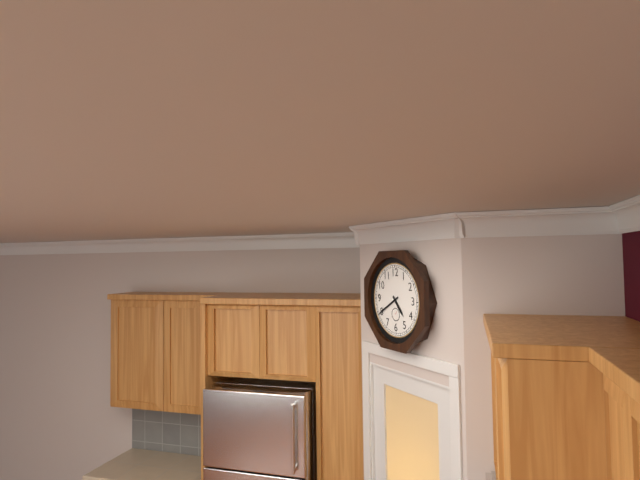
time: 4:40
